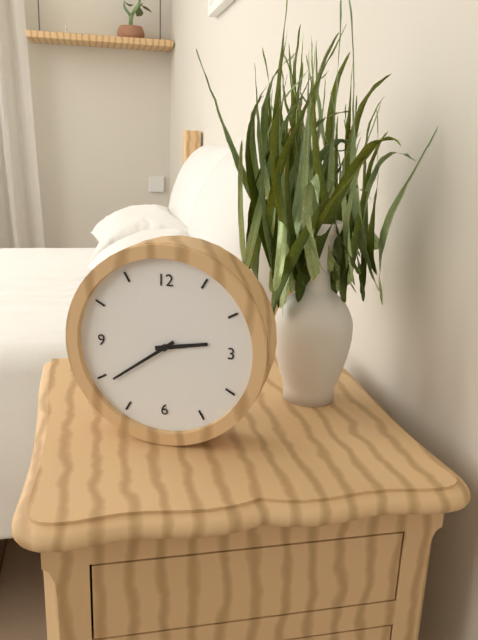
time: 2:39
